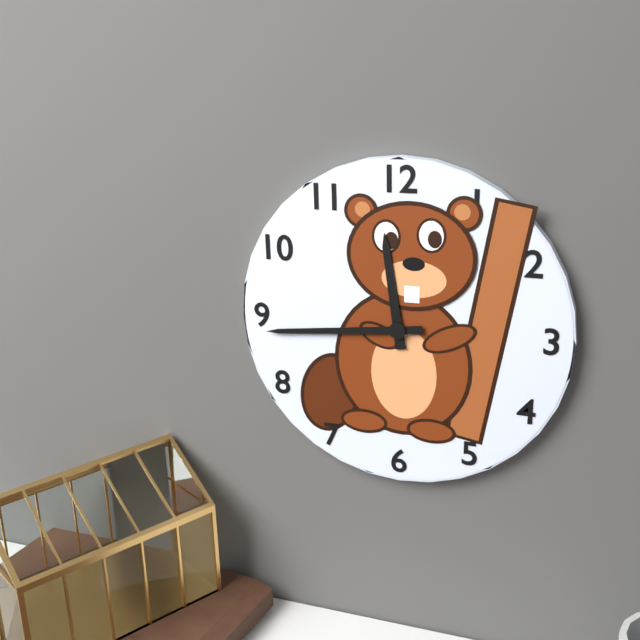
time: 11:44
